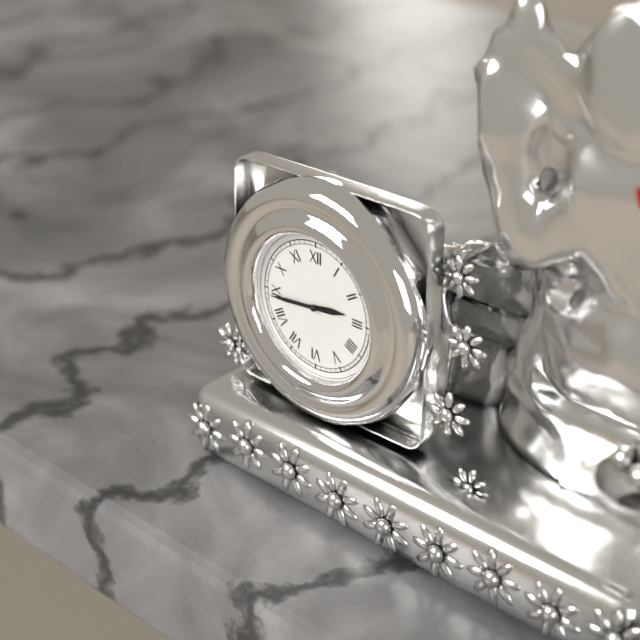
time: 2:44
